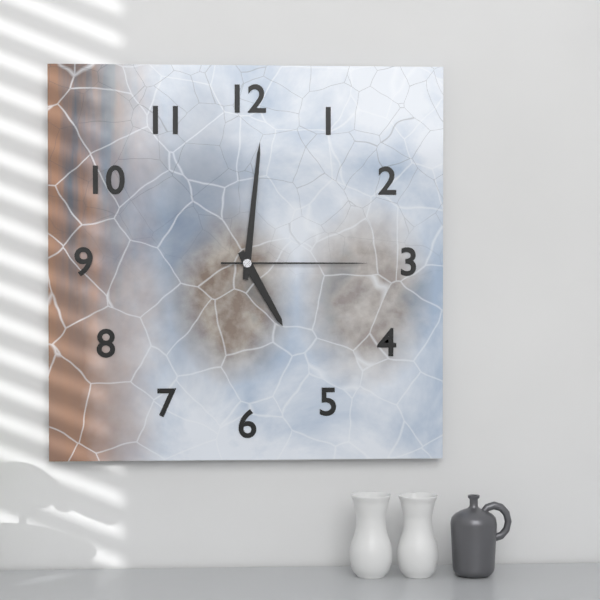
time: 5:01:15
